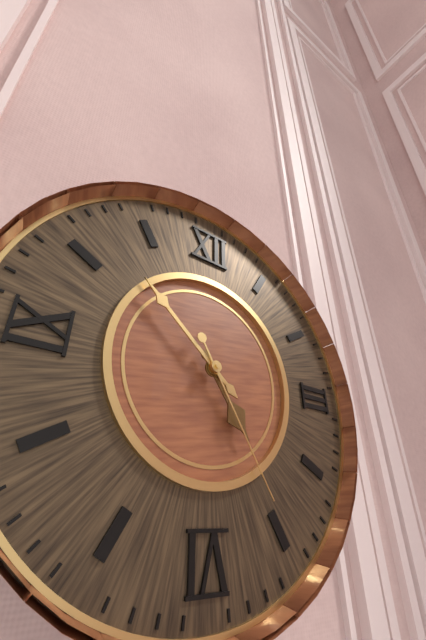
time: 4:52:25
